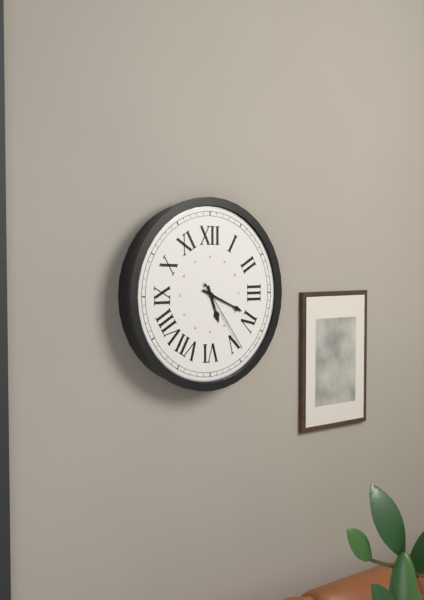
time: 5:19:24
